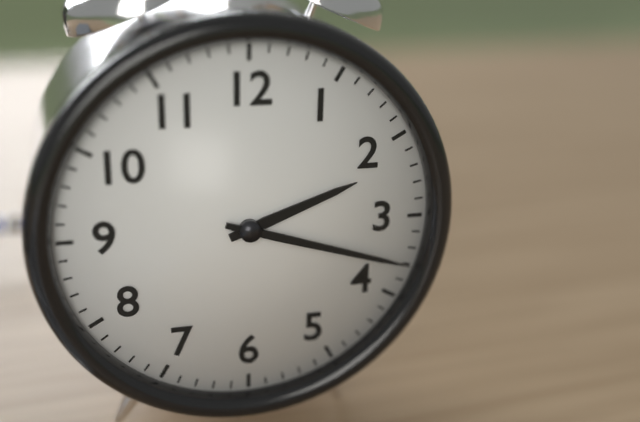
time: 2:18
